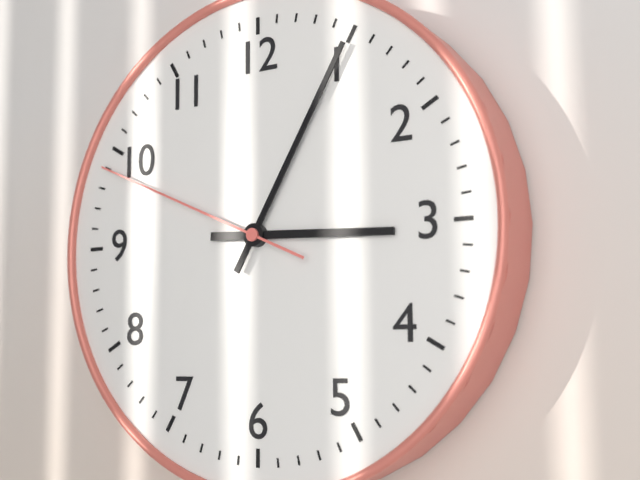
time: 3:05:49
